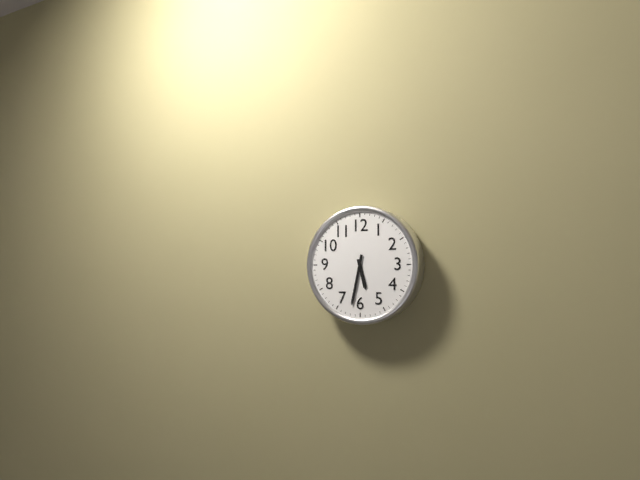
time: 5:32
